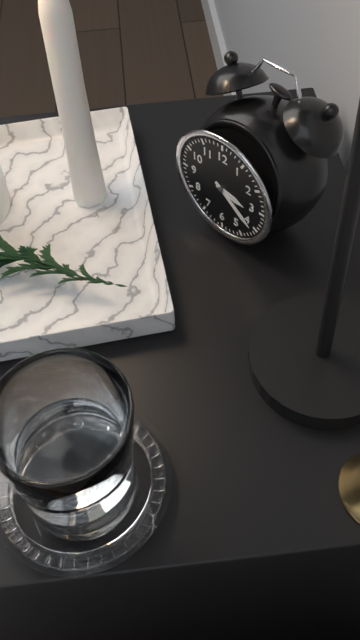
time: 3:21
